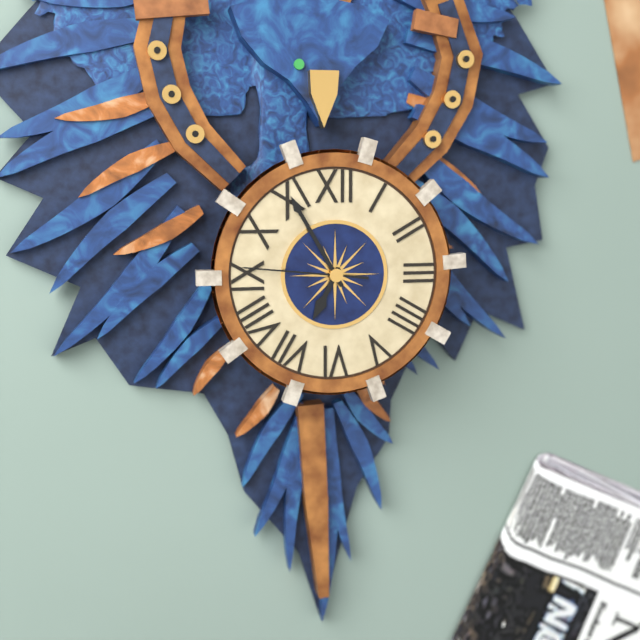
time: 6:55:46
